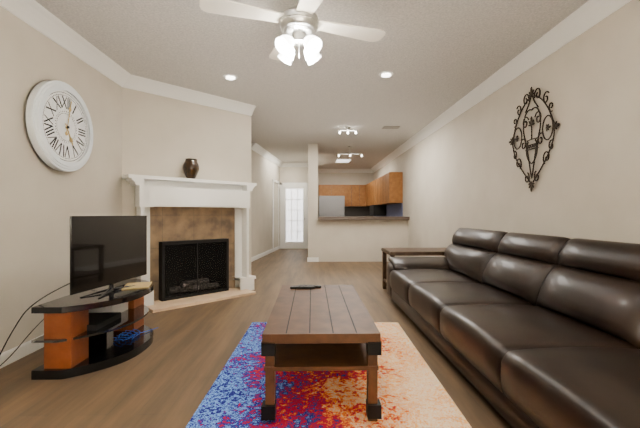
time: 5:02
